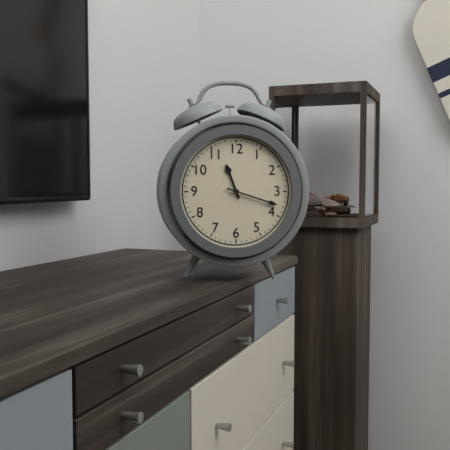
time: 11:18
